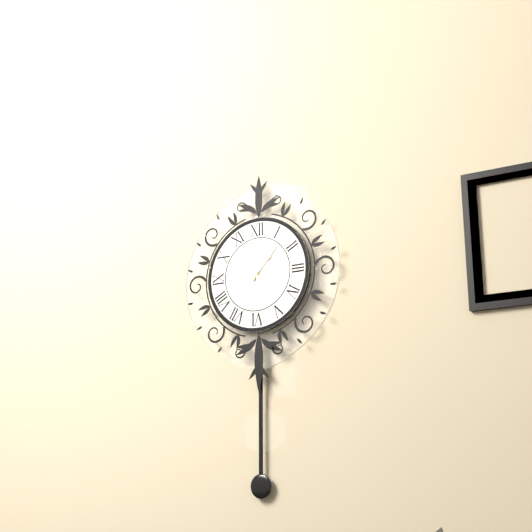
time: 11:07
